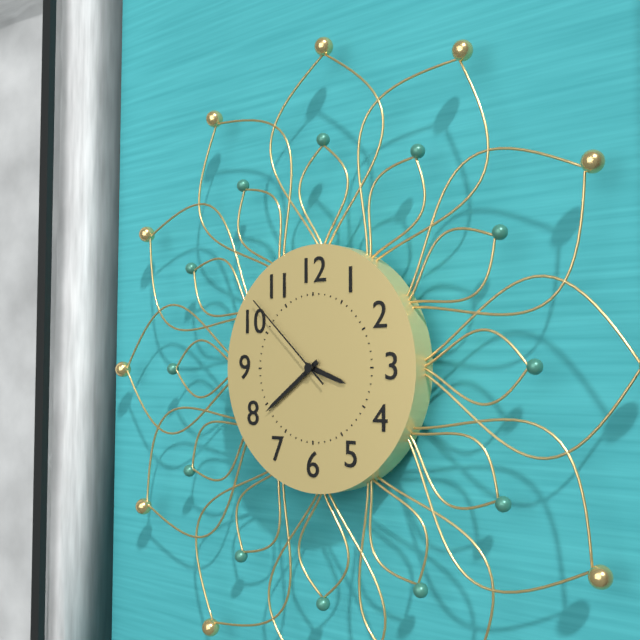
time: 3:39:52
